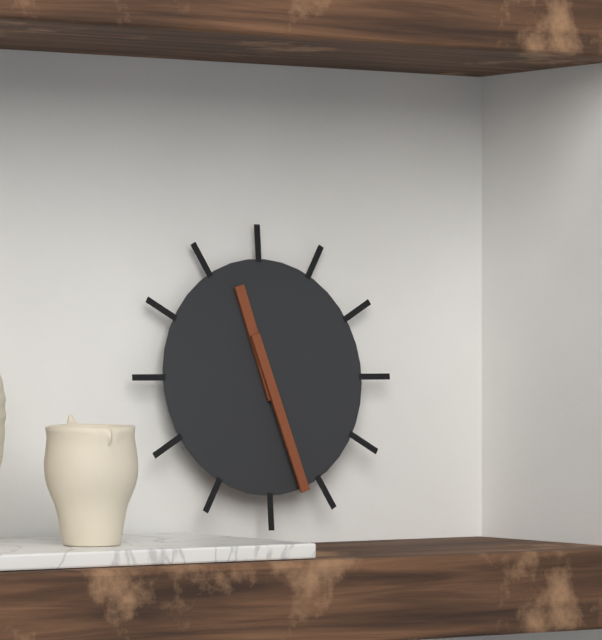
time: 11:27
